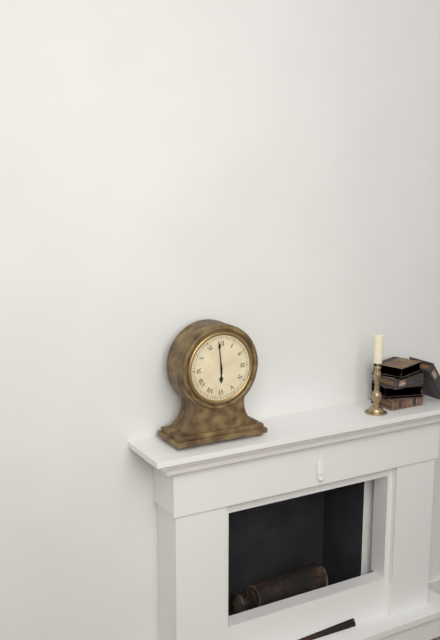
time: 5:59
